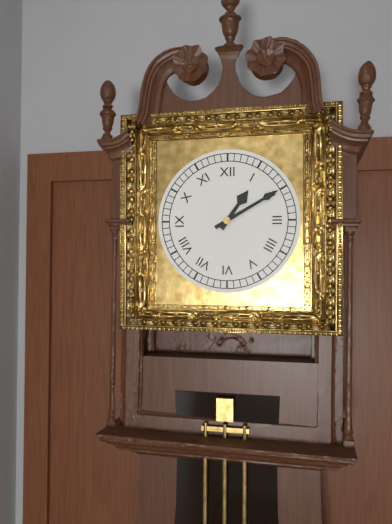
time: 1:10
